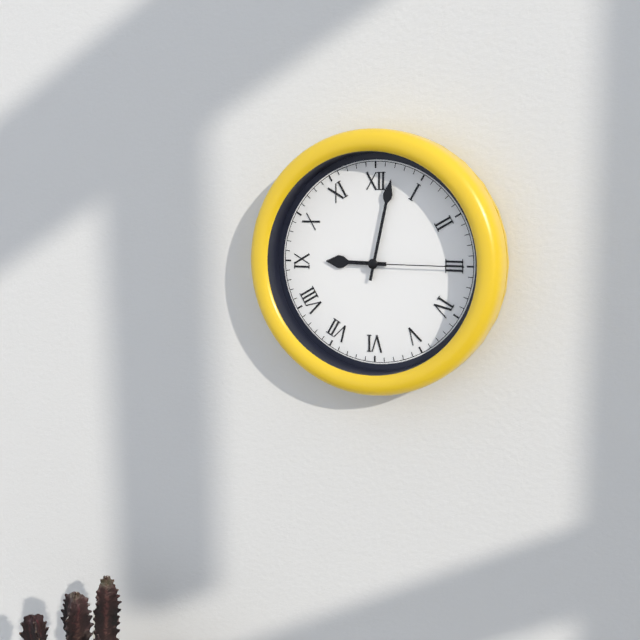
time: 9:02:15
